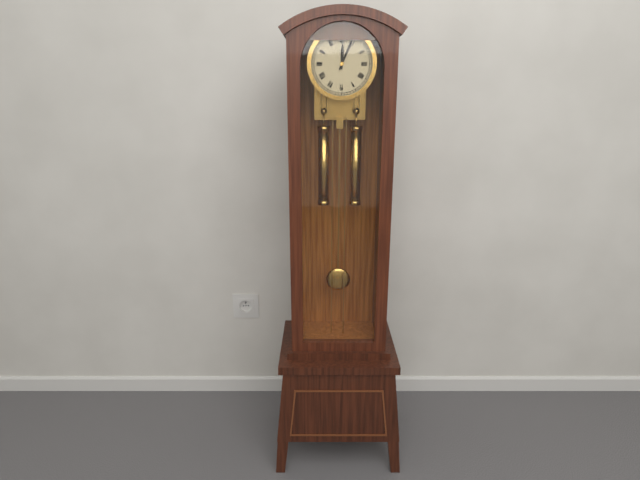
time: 12:04
